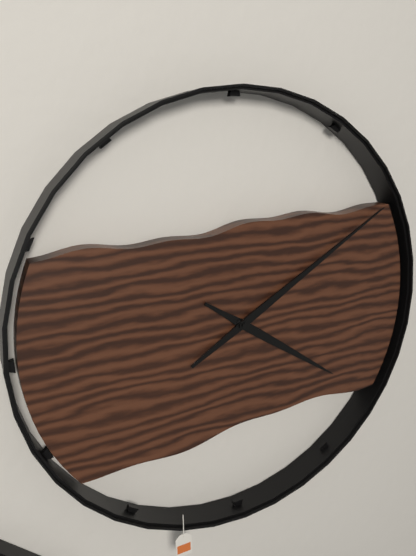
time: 4:10
